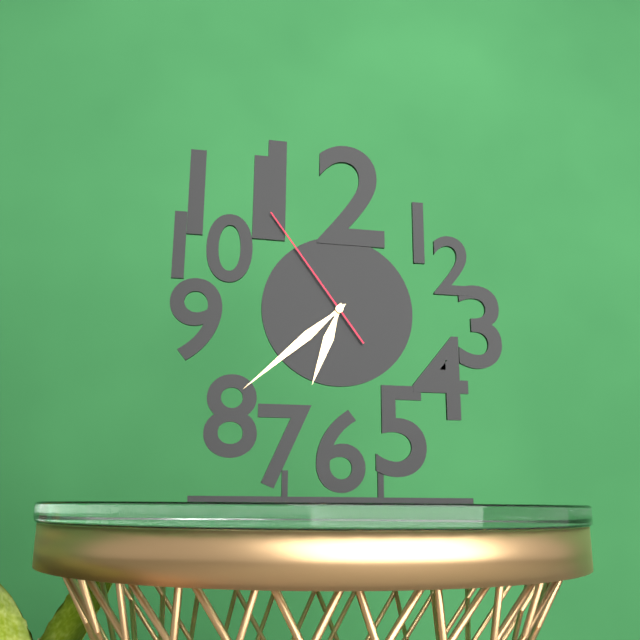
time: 6:38:54
